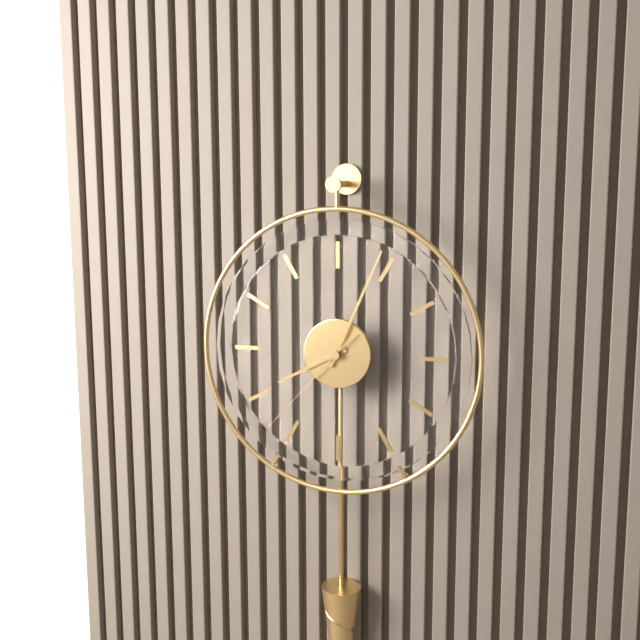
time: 8:04:37
